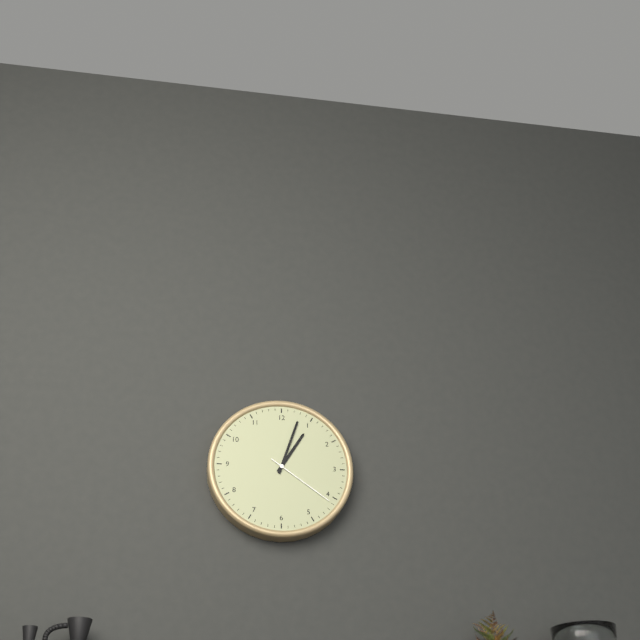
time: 1:03:21
